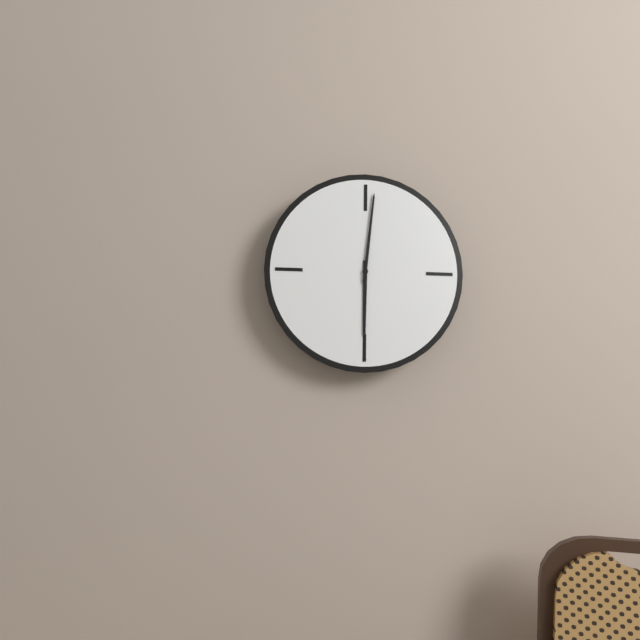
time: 6:01
